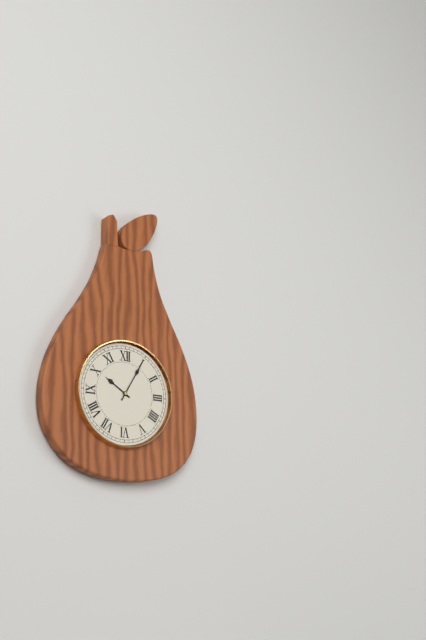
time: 10:05
